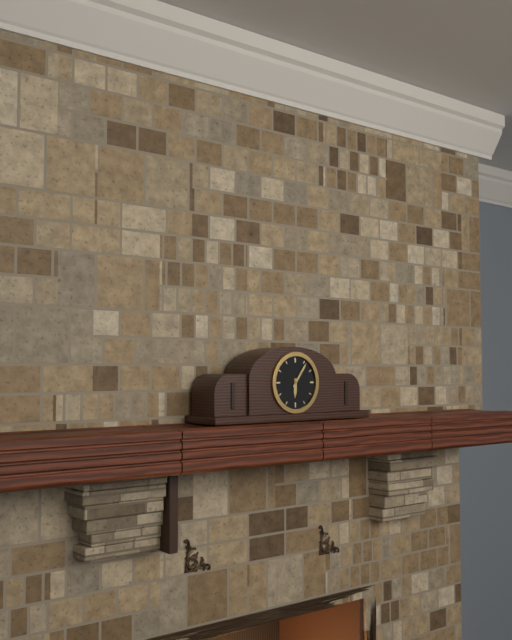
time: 6:06
